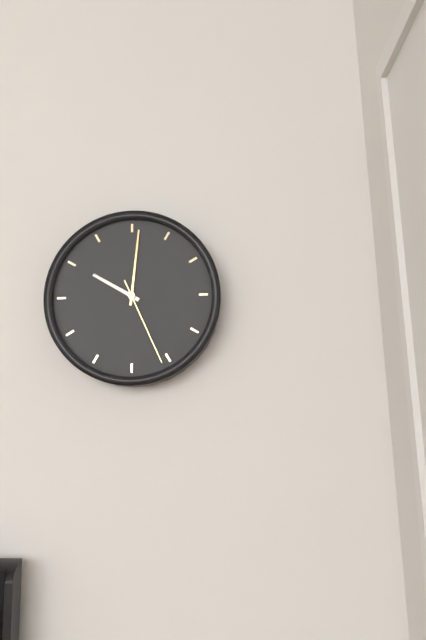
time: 10:01:26
